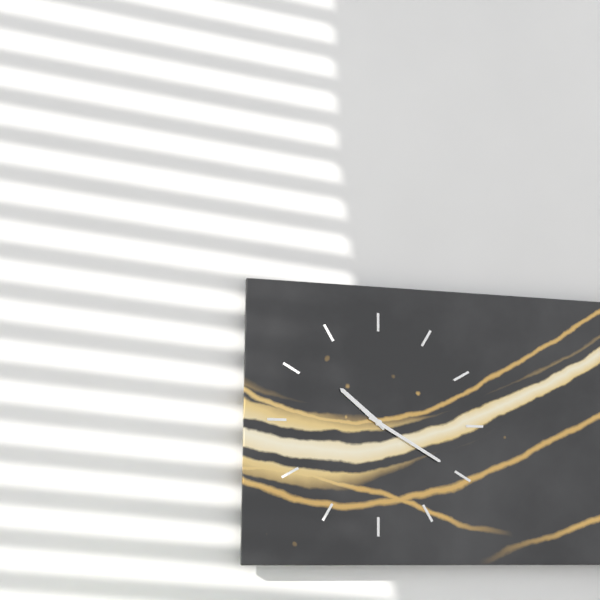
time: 10:20
